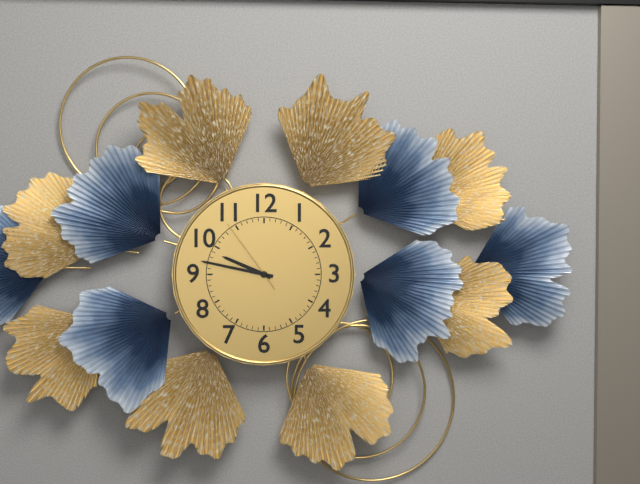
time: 9:47:54
